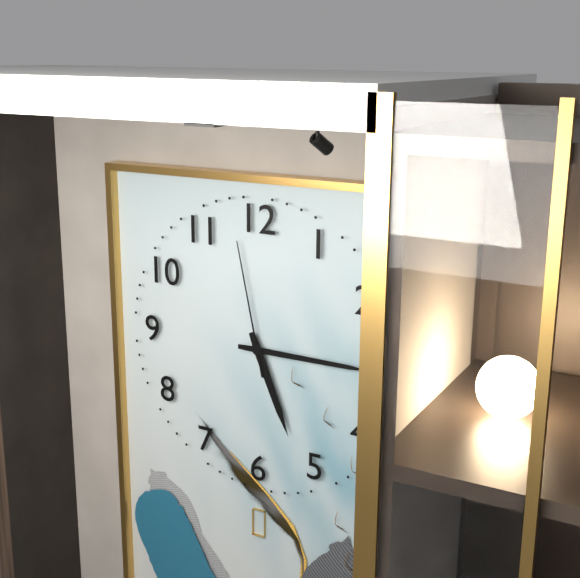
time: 5:15:58
